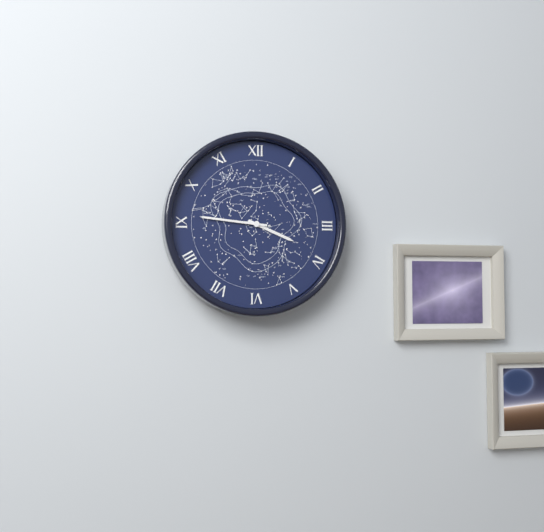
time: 3:46
